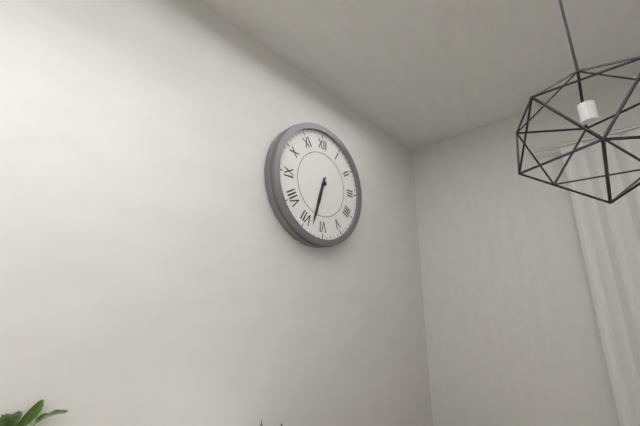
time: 6:33
